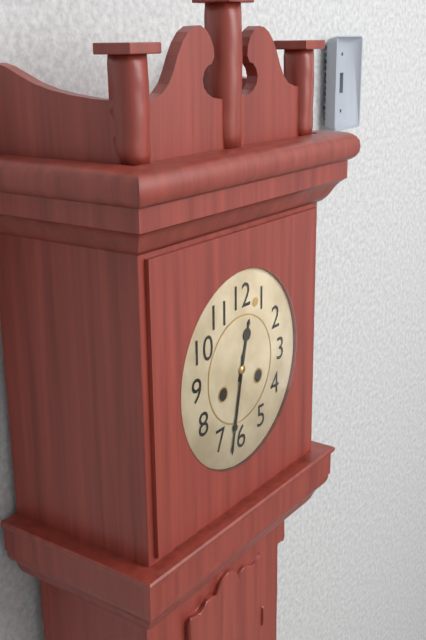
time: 12:32
